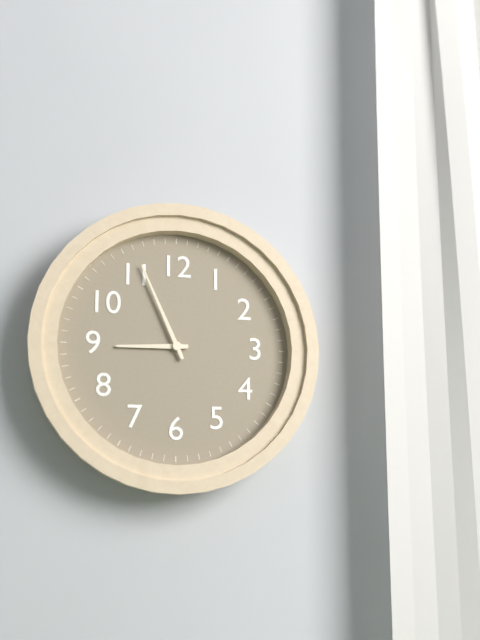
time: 8:56
